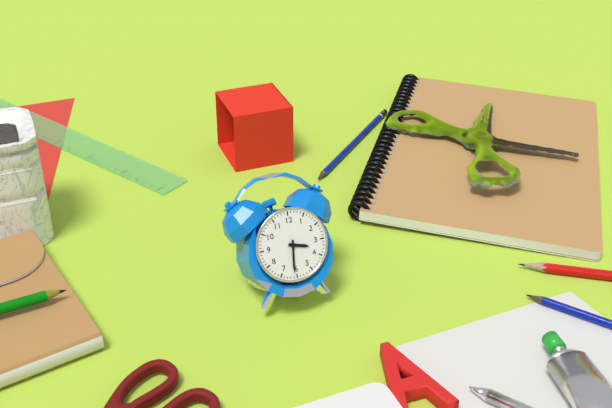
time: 3:31
